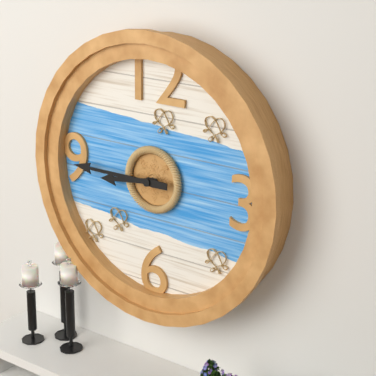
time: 8:45
